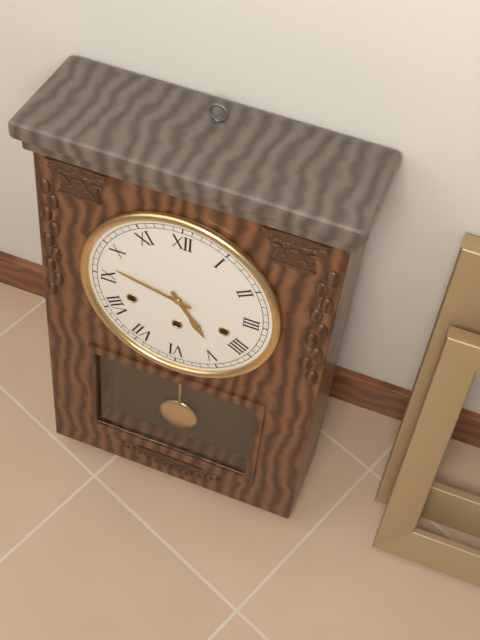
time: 4:47
